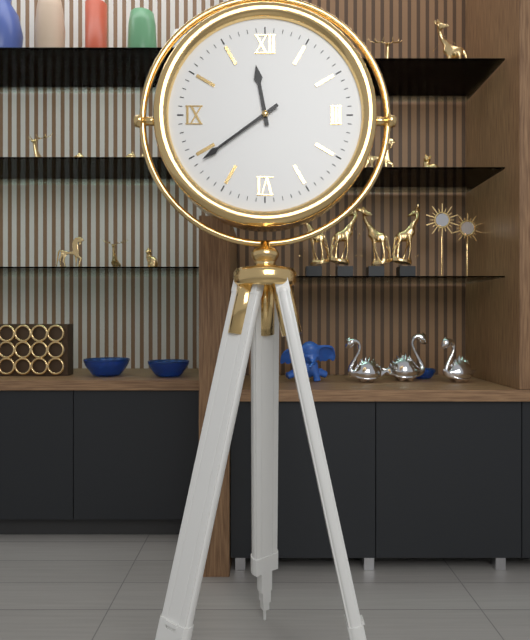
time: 11:39
